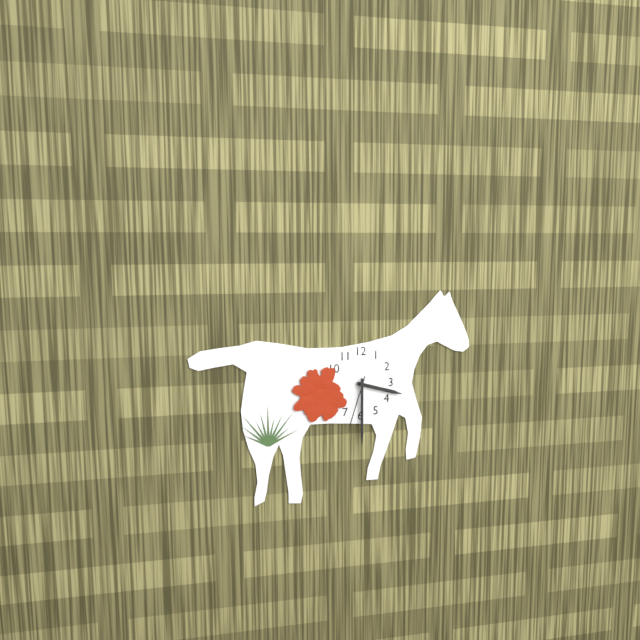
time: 3:30:33
